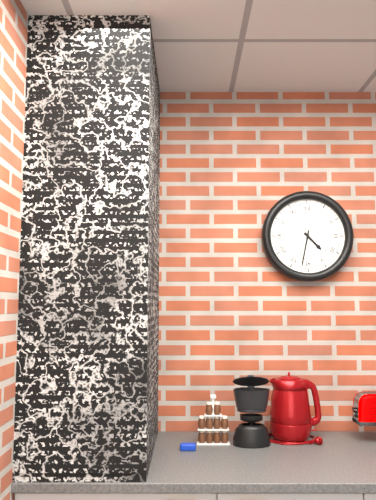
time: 4:32
